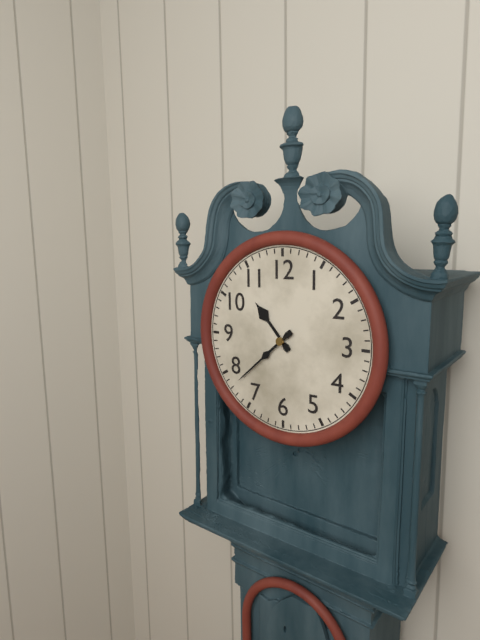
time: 10:38
